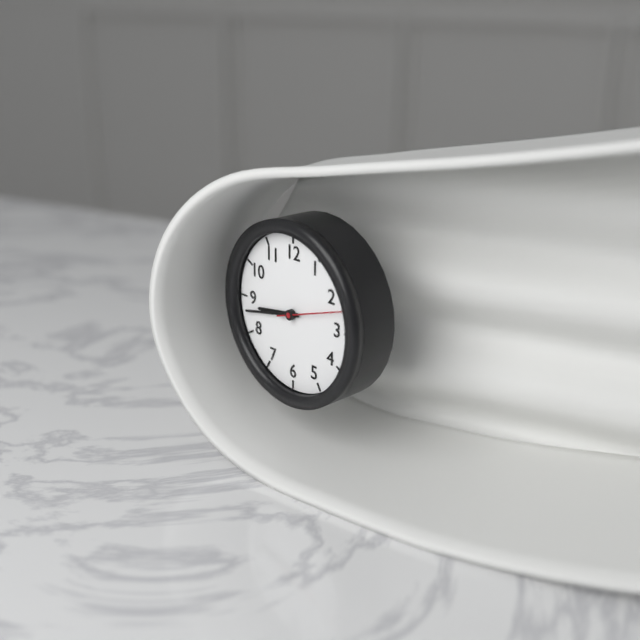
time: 8:43:12
